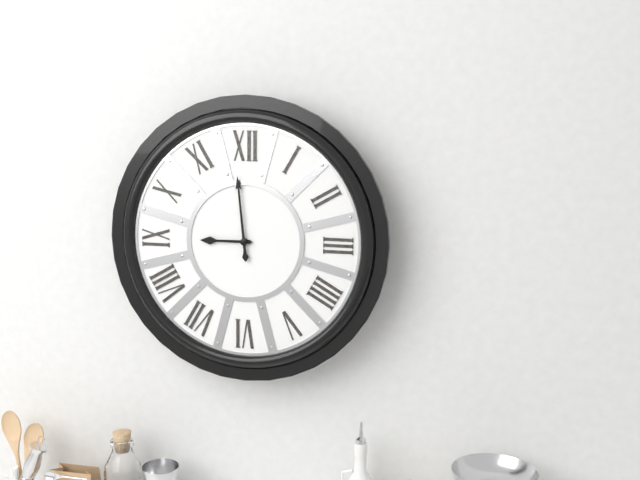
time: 8:59
